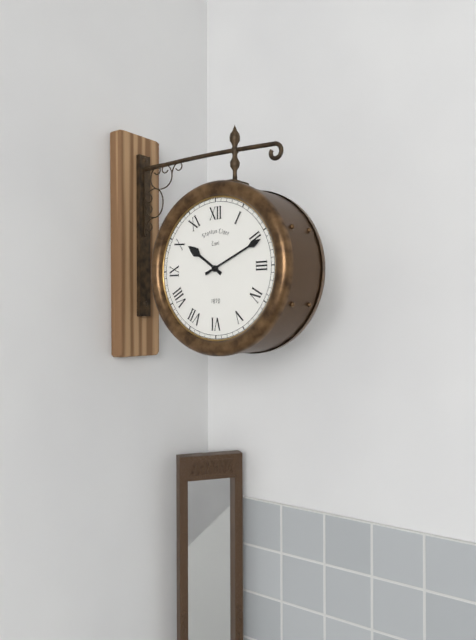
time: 10:11
